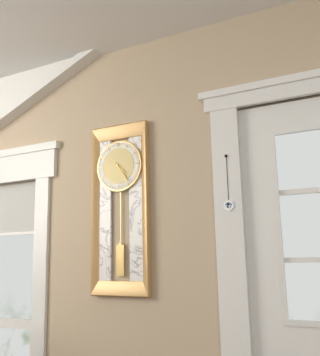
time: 4:24
